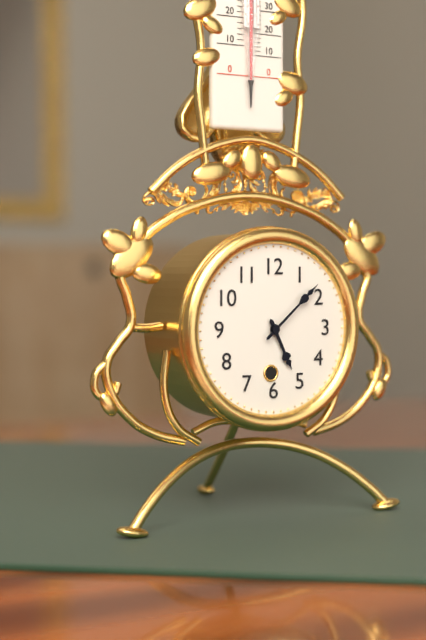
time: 5:08
